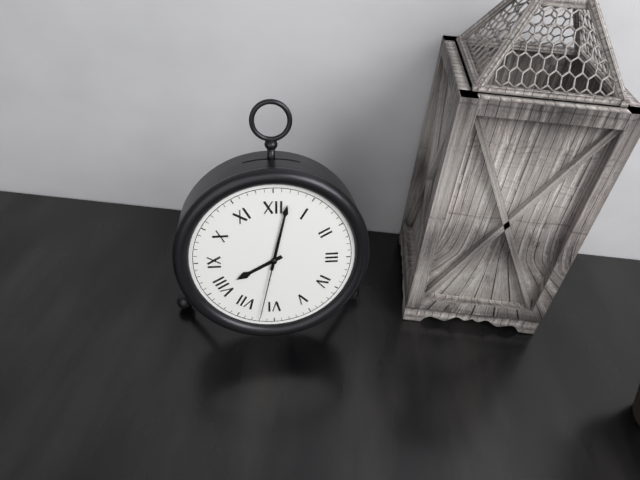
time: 8:02:32
